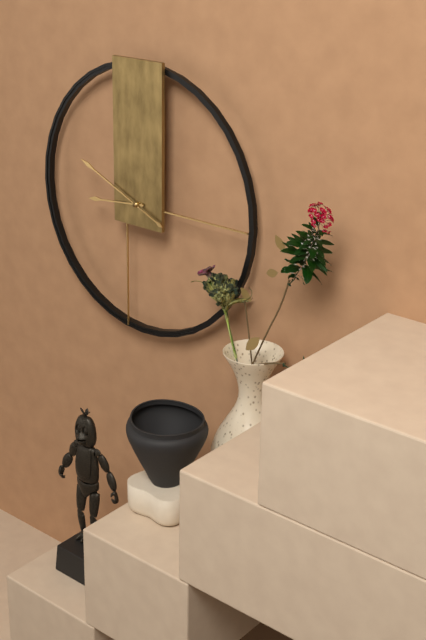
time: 8:49
